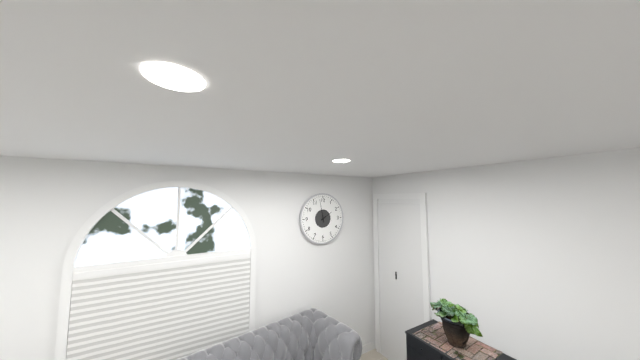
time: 1:58
